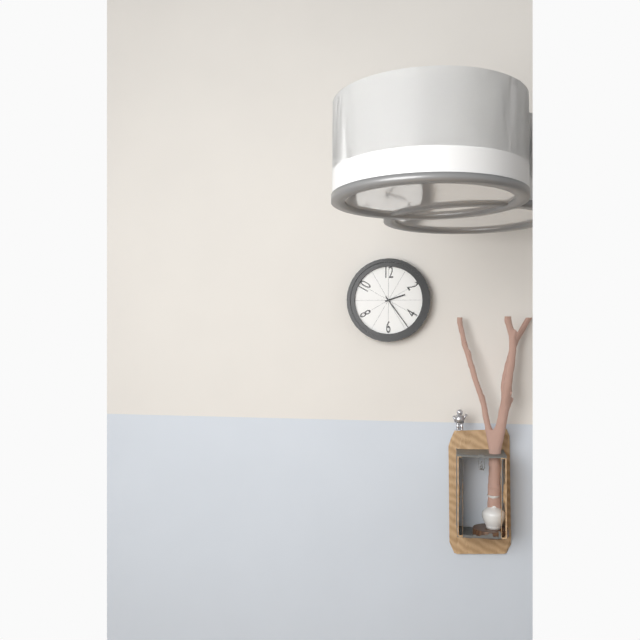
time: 2:24
